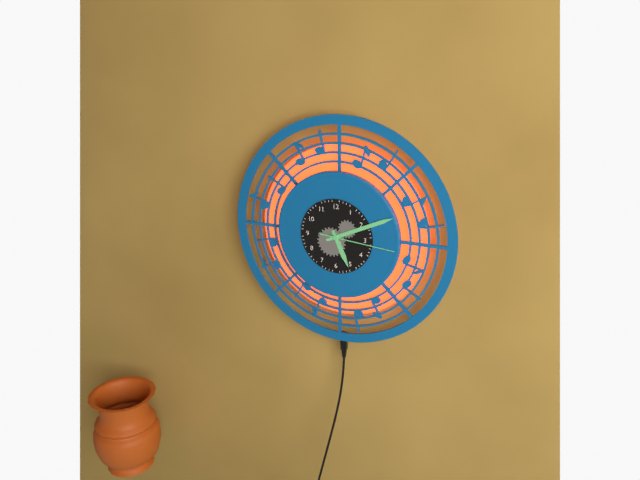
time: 5:11:16
